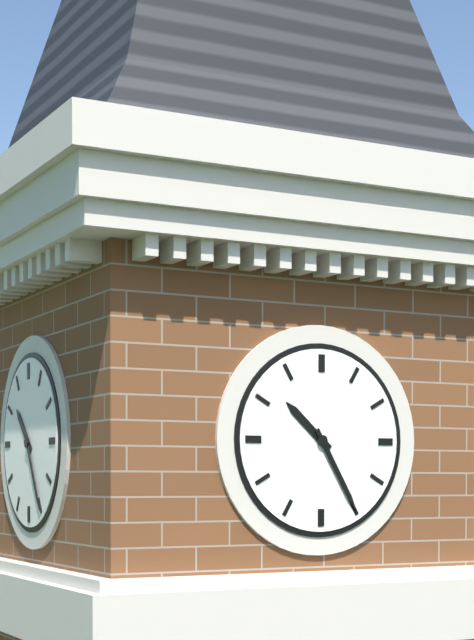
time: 10:25
